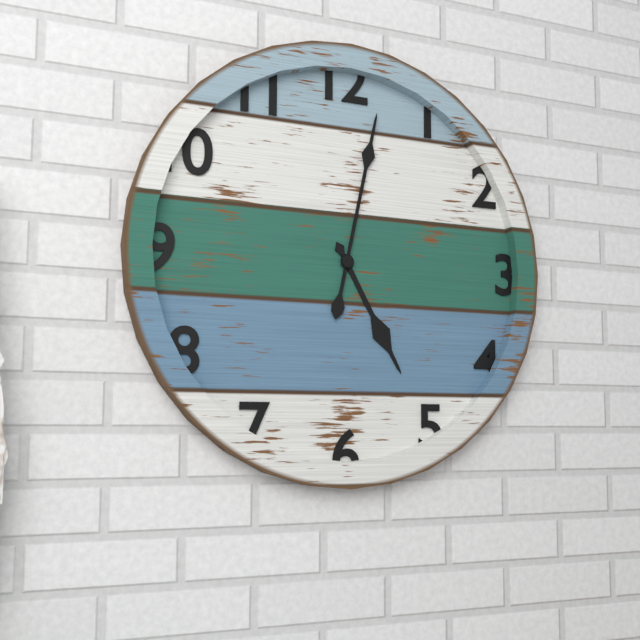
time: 5:02
